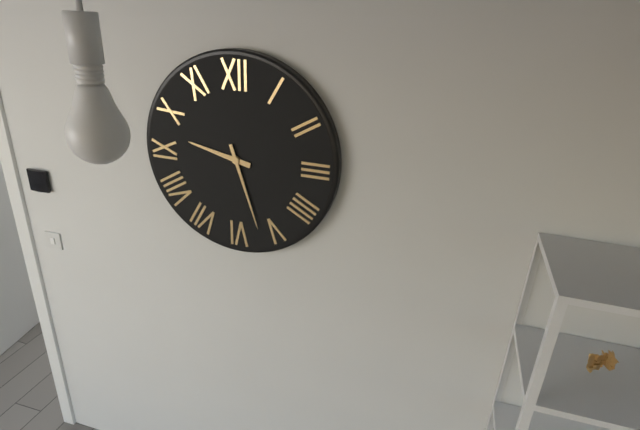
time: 9:27
